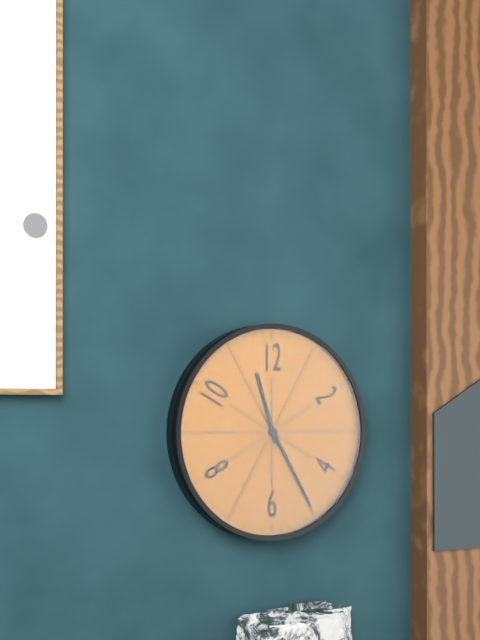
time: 11:25
